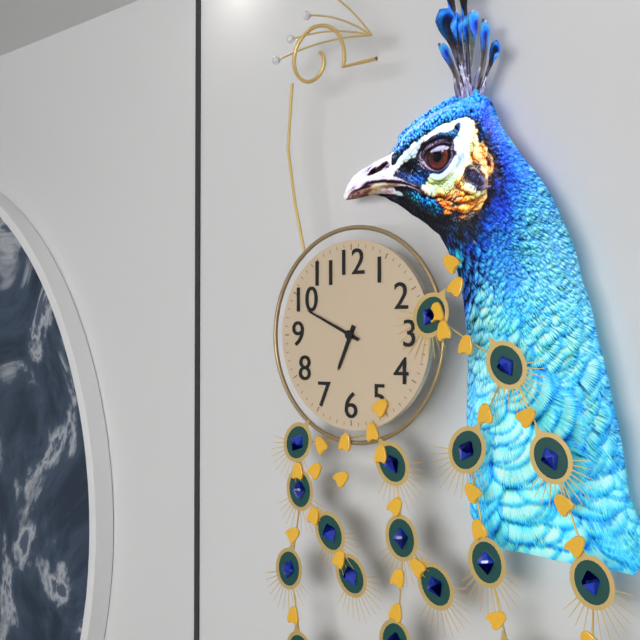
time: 6:49
